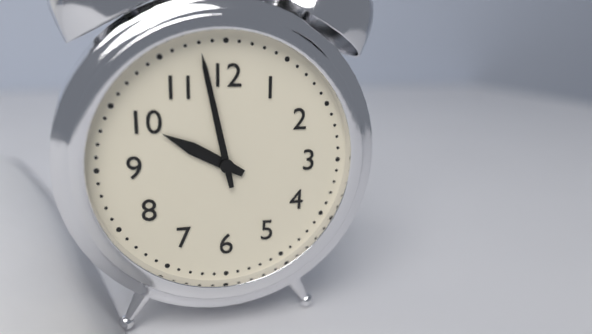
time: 9:58
